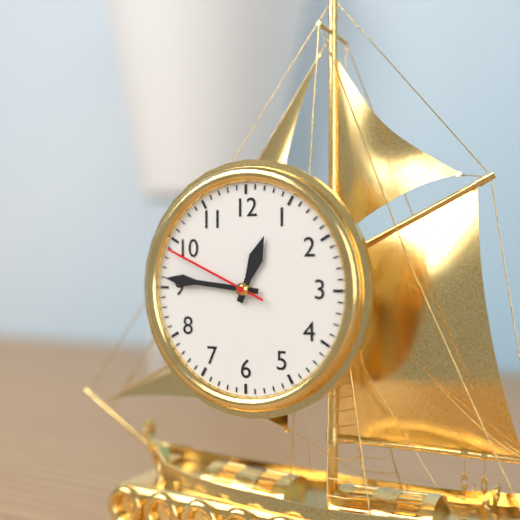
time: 12:46:49
